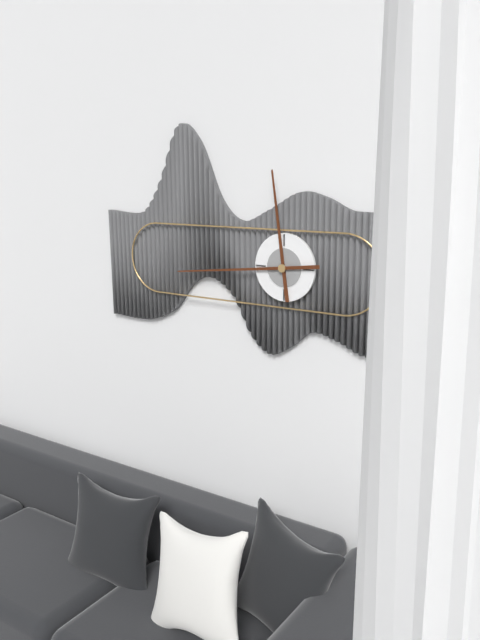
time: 11:44
